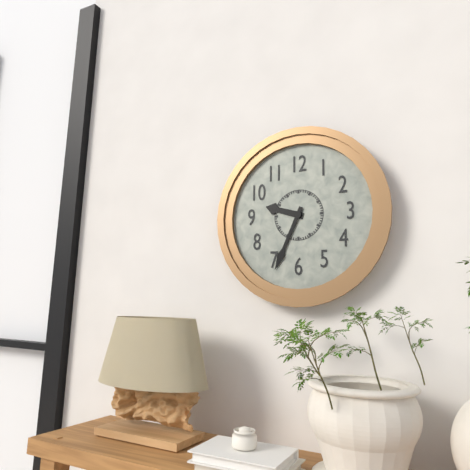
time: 9:34
